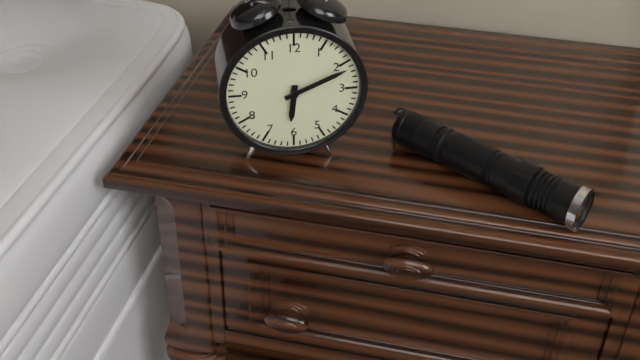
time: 6:11
